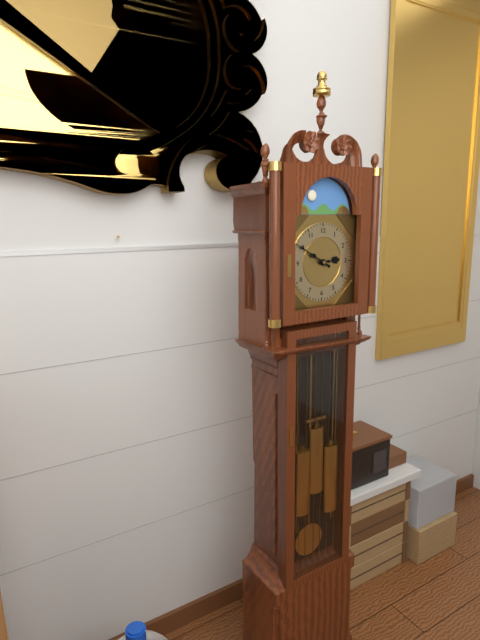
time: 2:50
